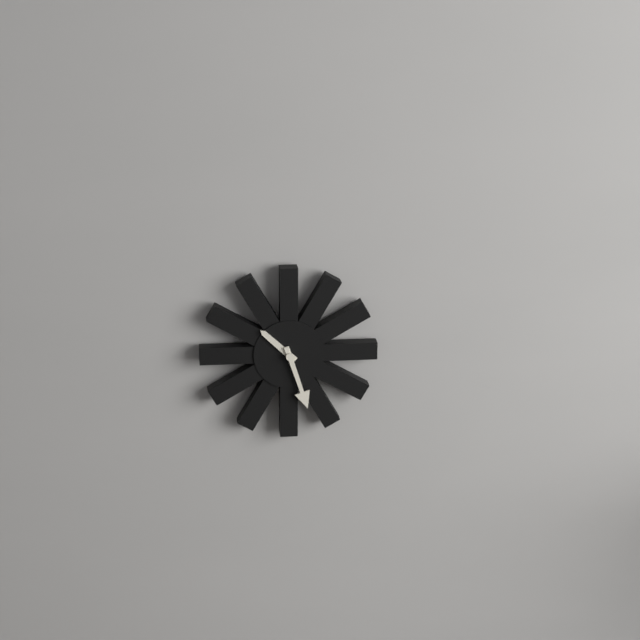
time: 10:27
